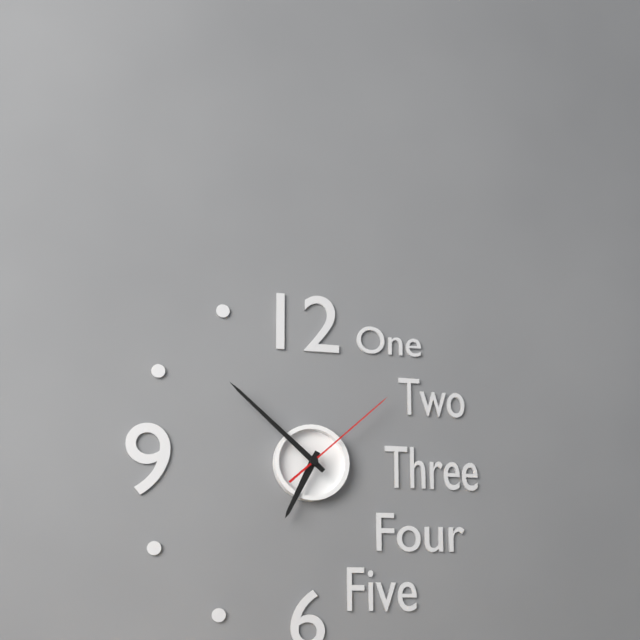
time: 6:52:08
